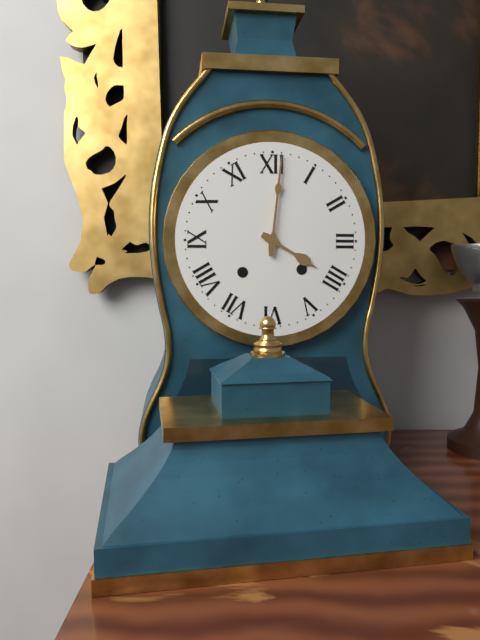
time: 4:01
